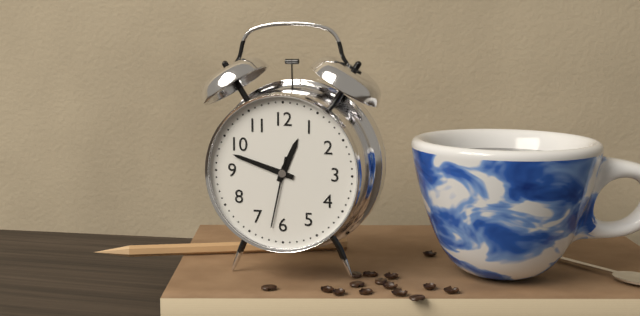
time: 12:48:32
